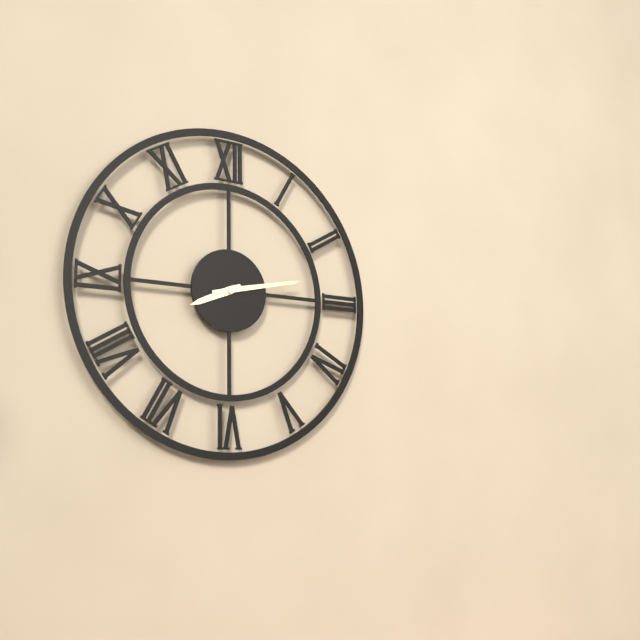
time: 8:13
